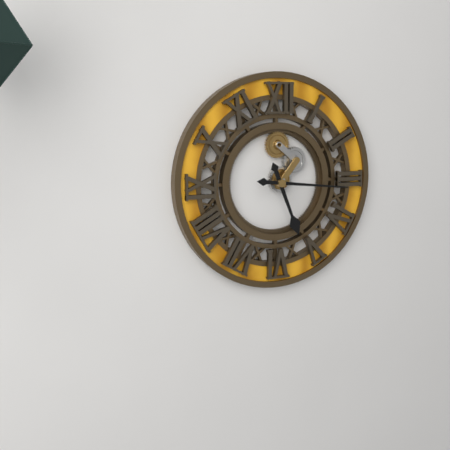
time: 5:16
